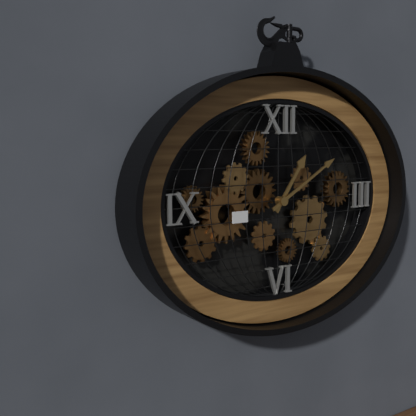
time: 1:10
